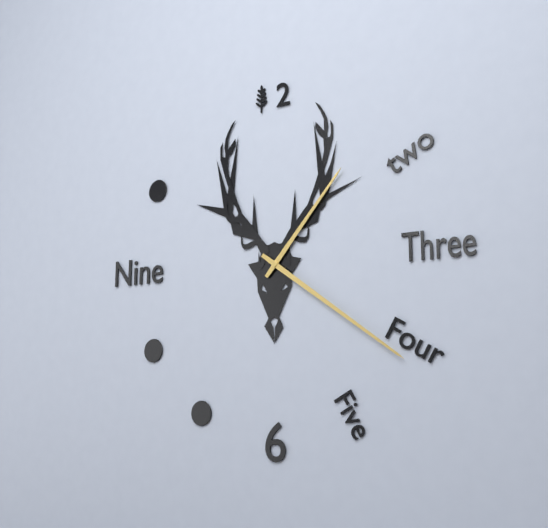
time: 1:21
